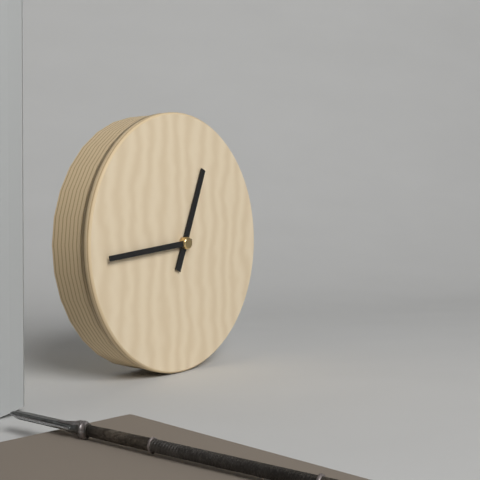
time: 12:44
